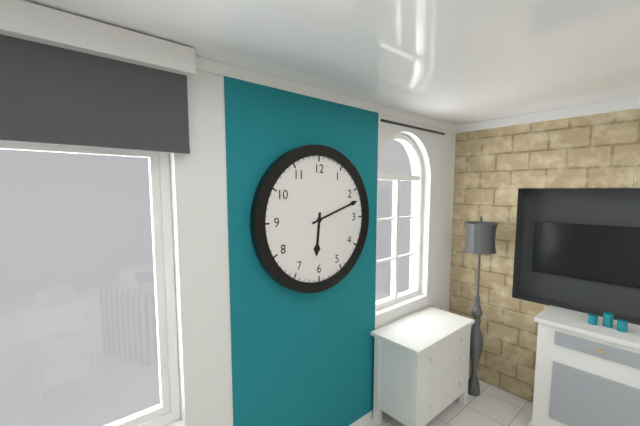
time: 6:12
